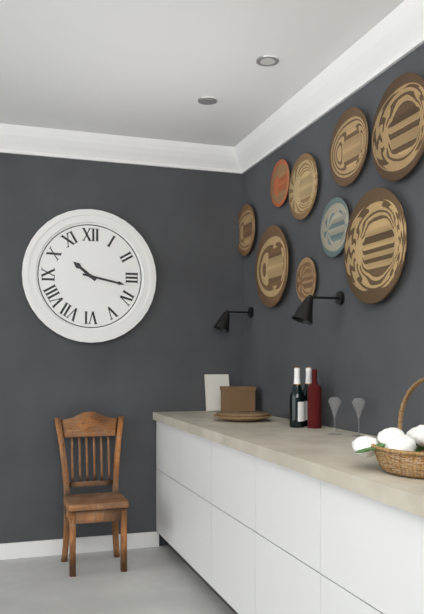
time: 10:17
